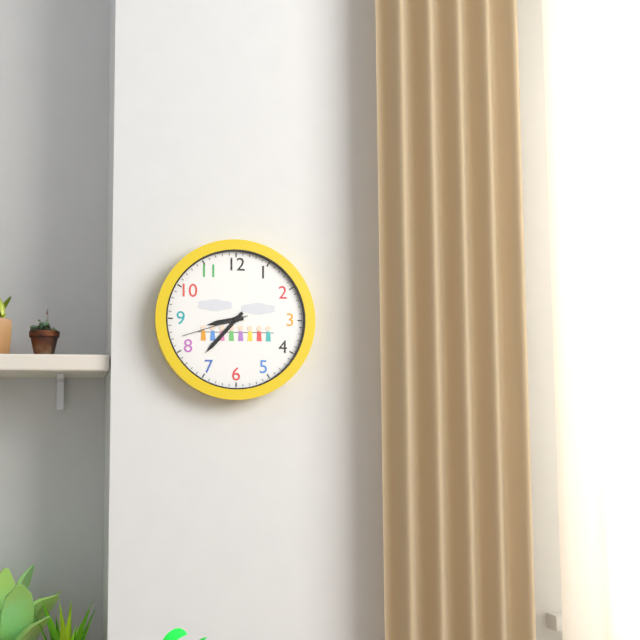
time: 8:37:42
